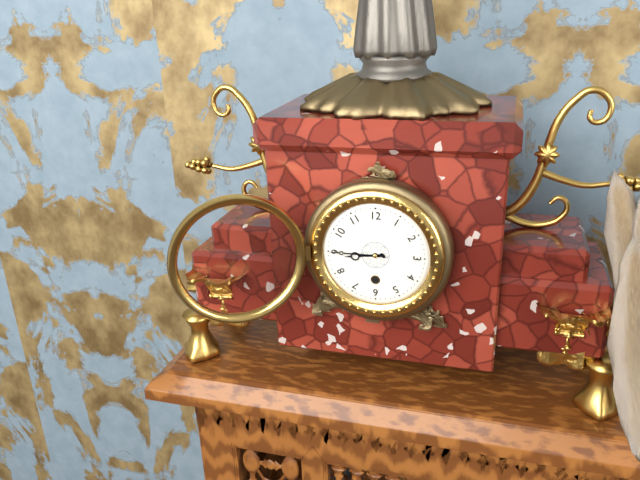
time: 8:45
